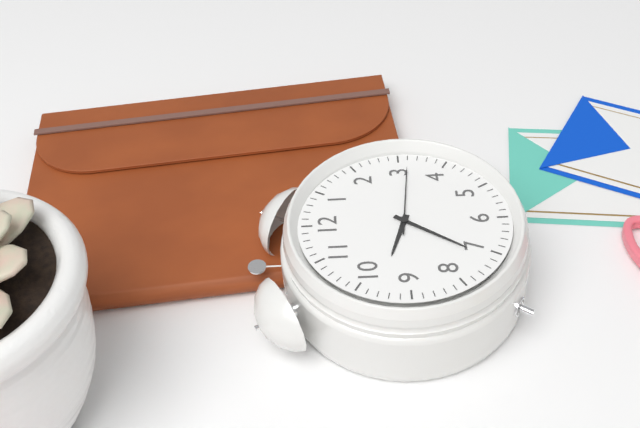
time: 9:36:16
